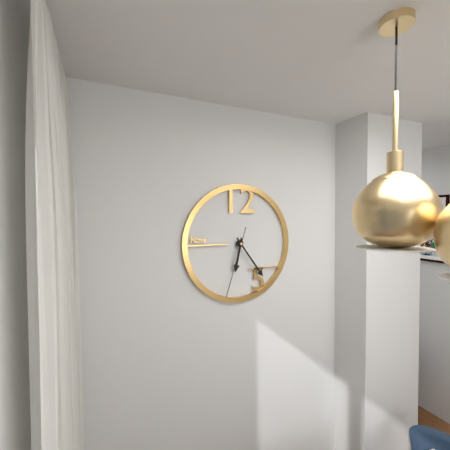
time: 6:24:33
